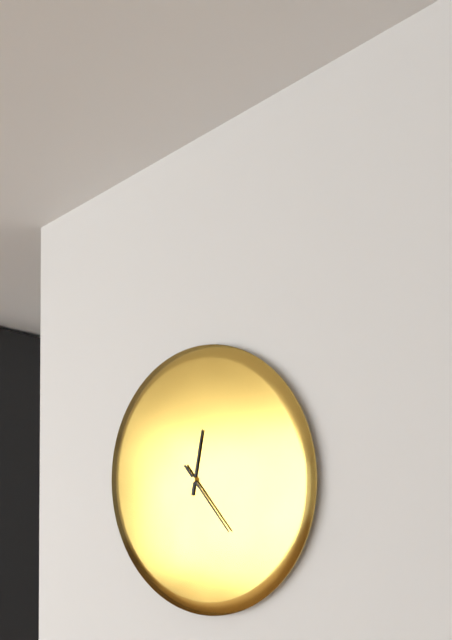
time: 12:23
